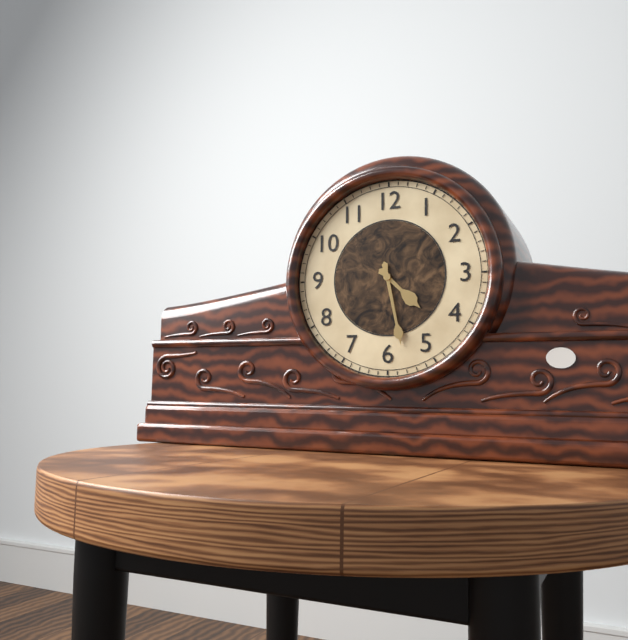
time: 4:28
